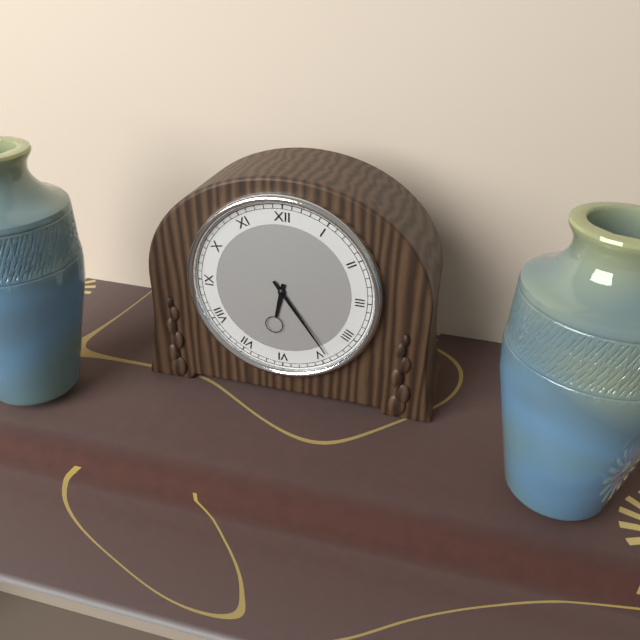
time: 6:24
